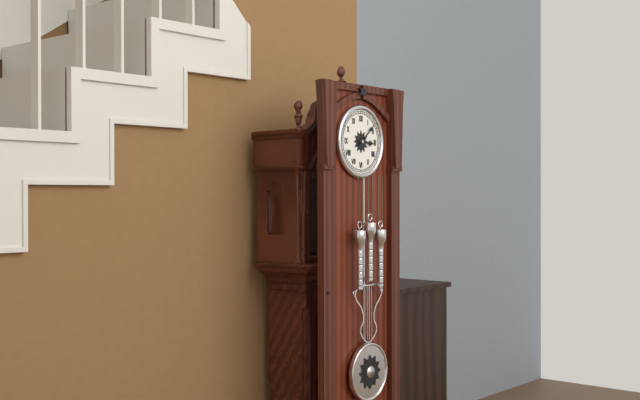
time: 3:08
